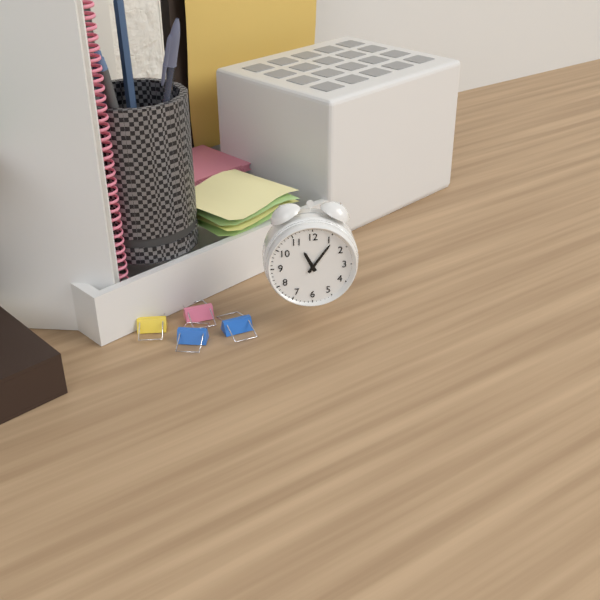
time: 11:06
